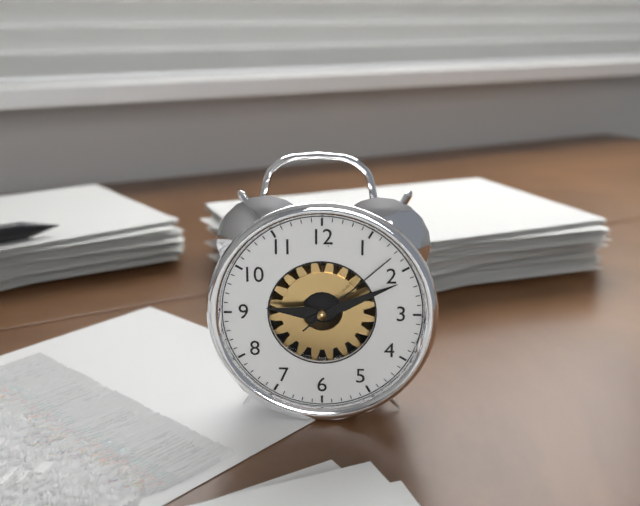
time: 9:11:08
